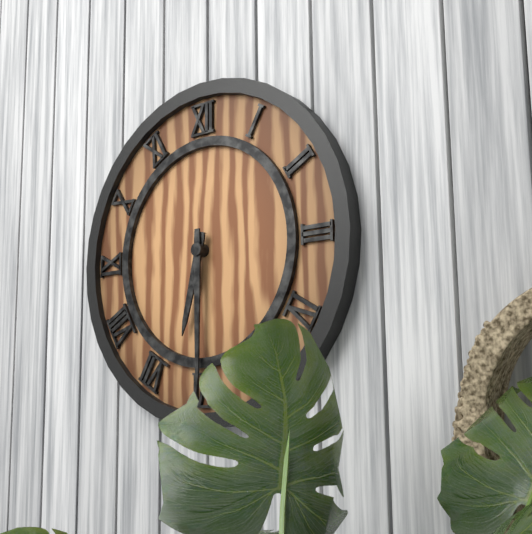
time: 6:30
